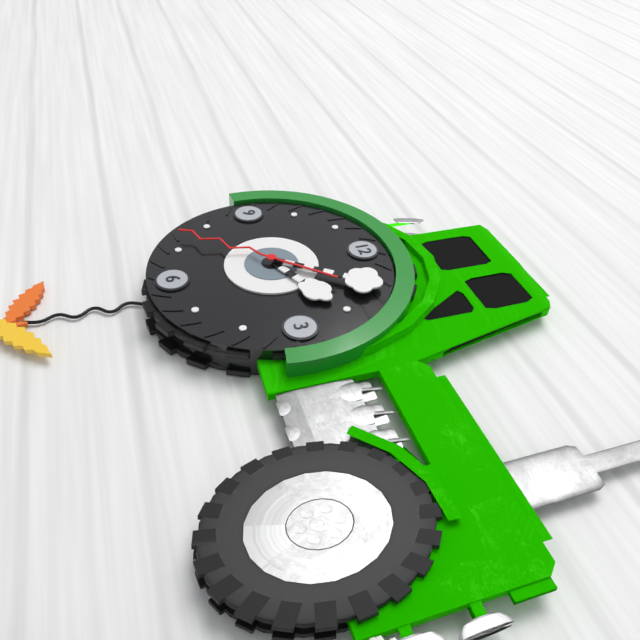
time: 2:06:37
